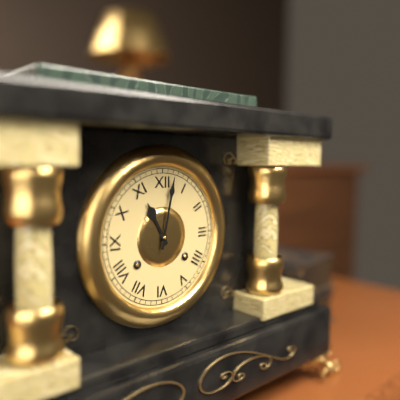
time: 11:02
